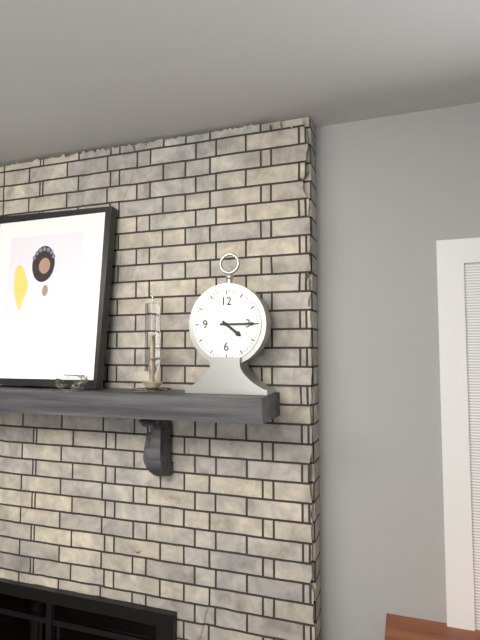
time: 4:15
